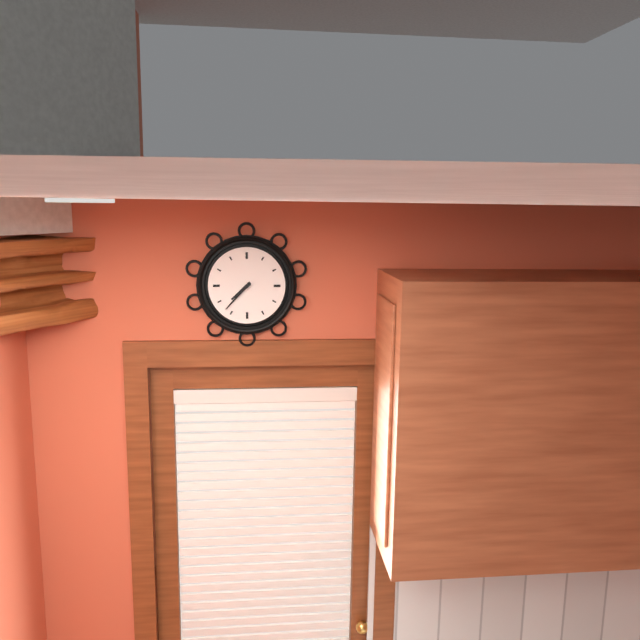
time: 7:37
